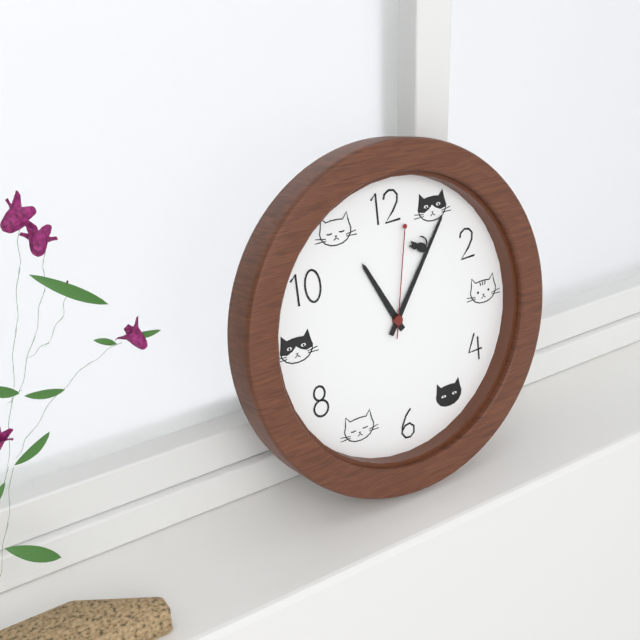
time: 11:06:02
